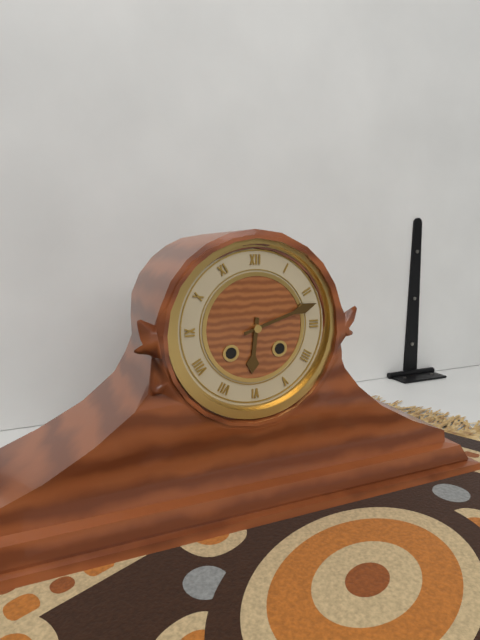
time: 6:12
